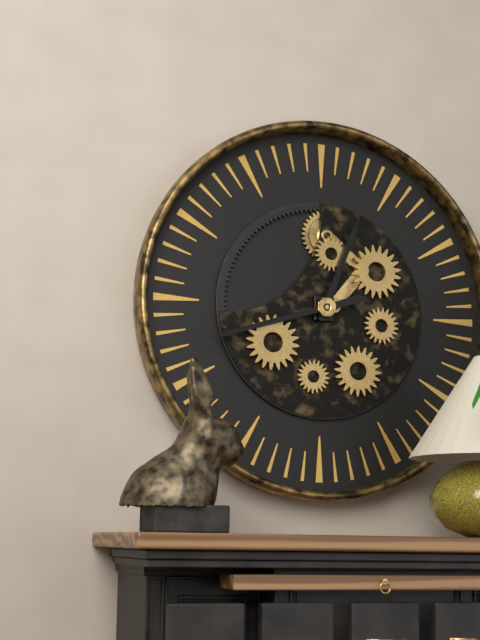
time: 12:42
